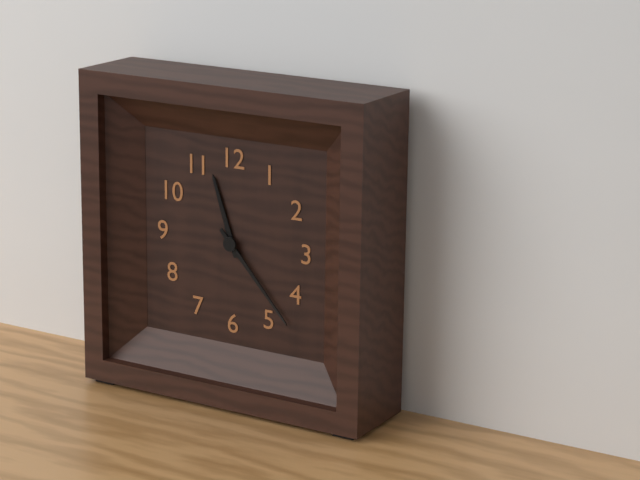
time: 11:23
